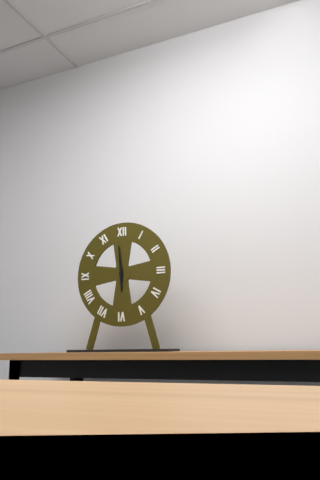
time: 5:59
